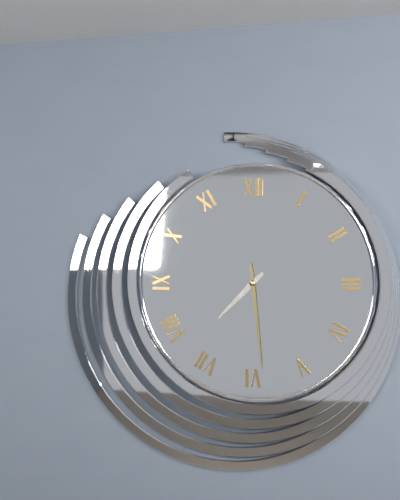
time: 7:29
